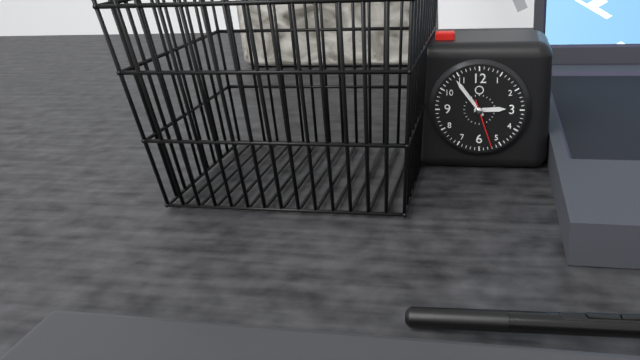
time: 2:54
